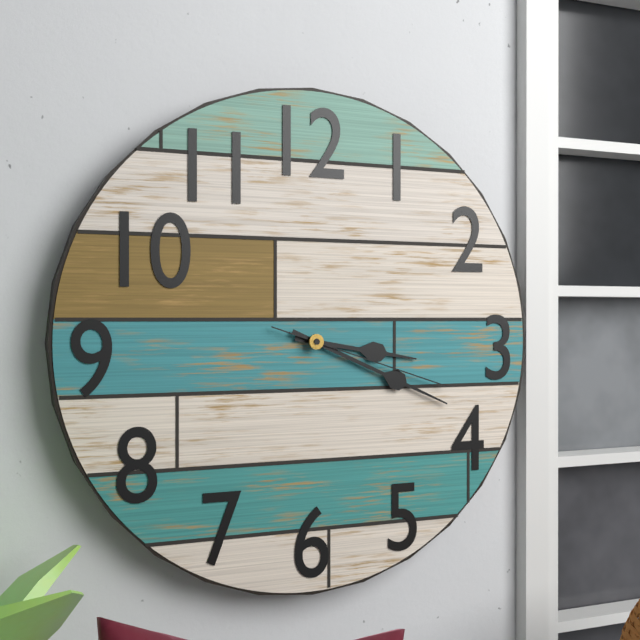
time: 3:19:18
